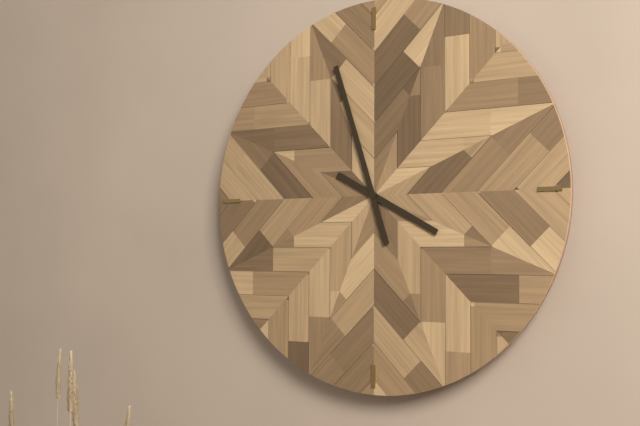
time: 3:57
